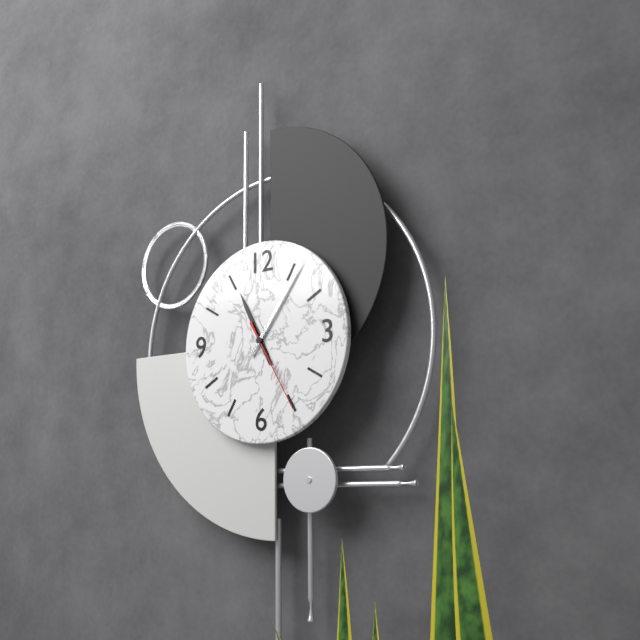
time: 11:06:25
